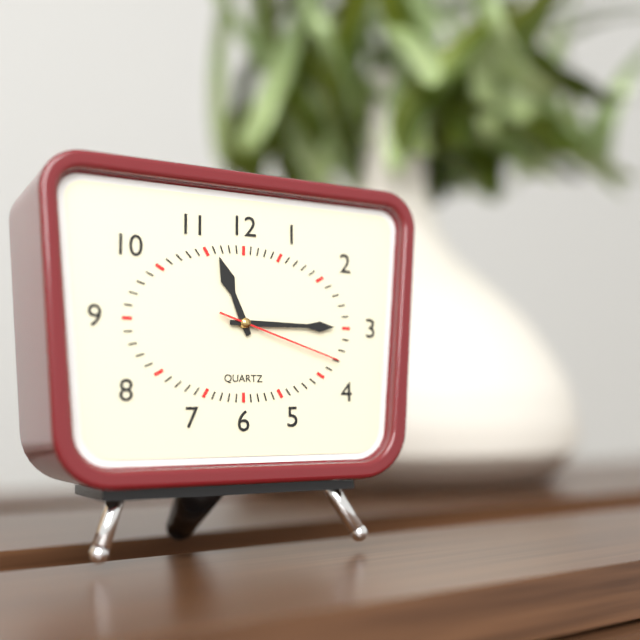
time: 11:15:18
